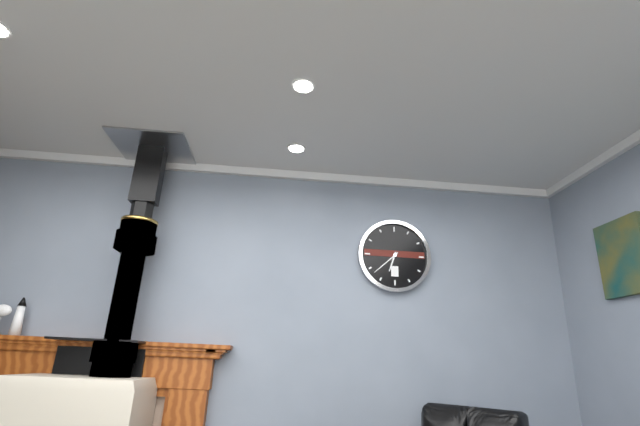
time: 6:38
